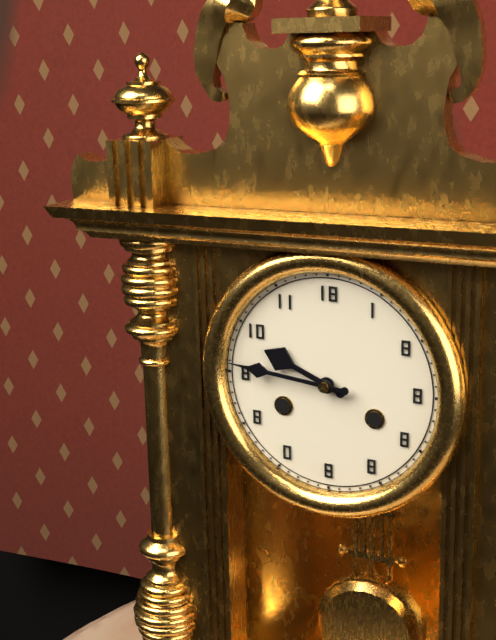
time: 9:46
